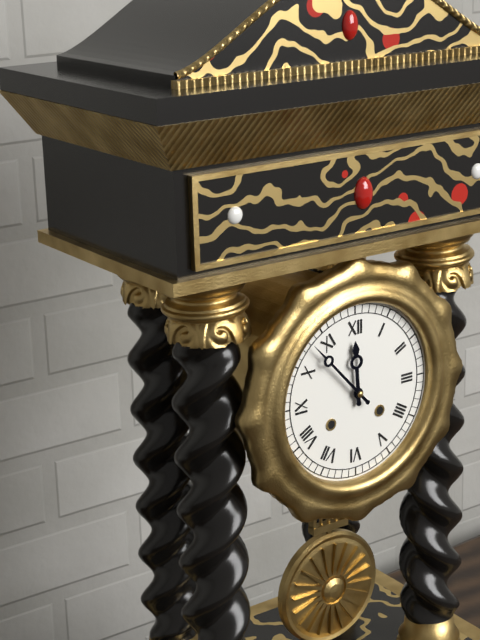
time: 11:53
